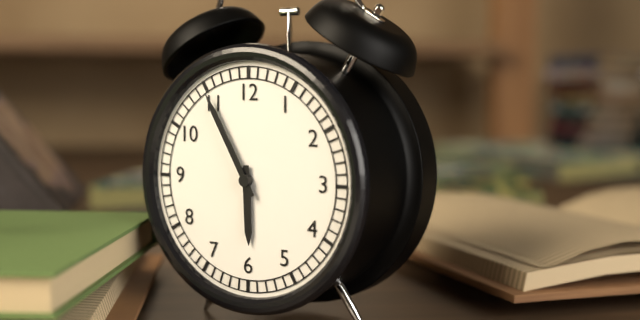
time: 5:55
